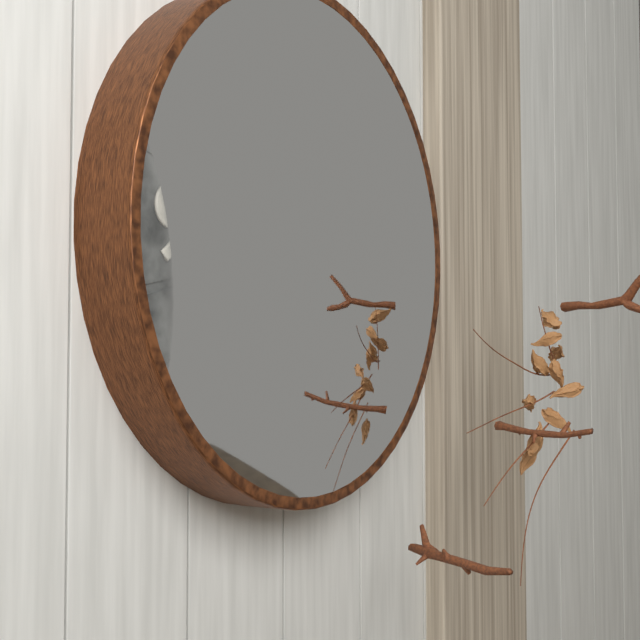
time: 1:37
